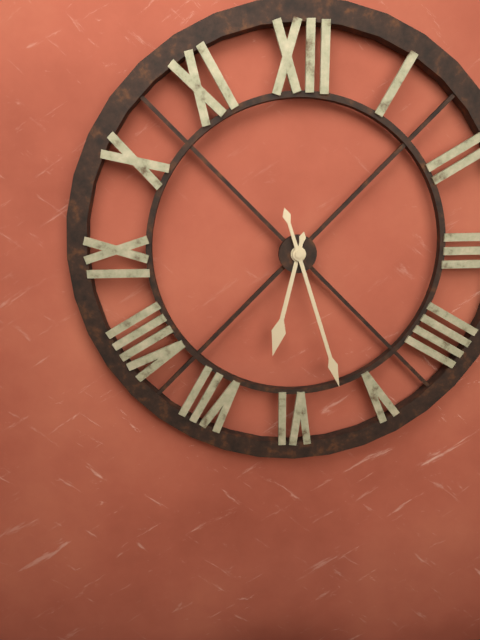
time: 6:27
